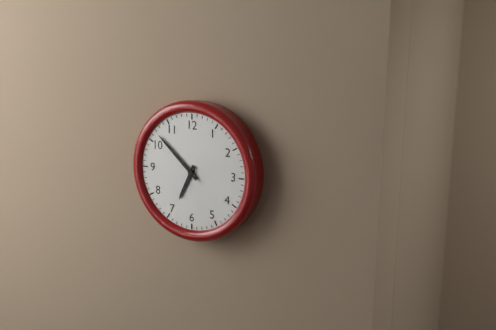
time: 6:52
